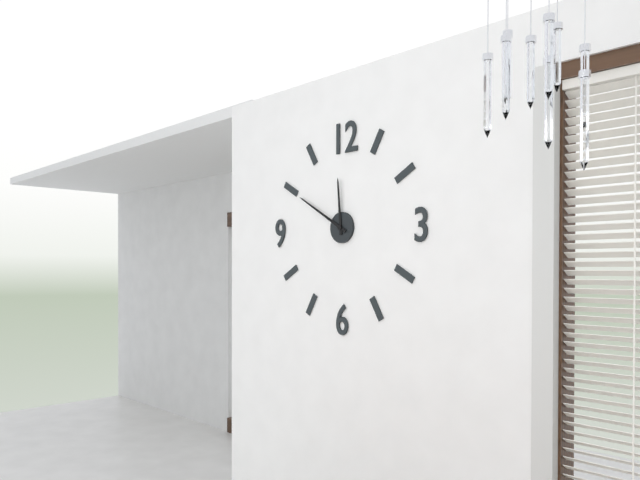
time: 11:50
